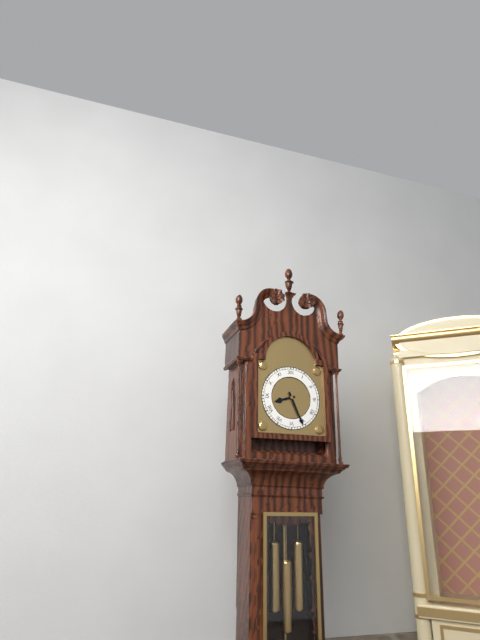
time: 8:26
